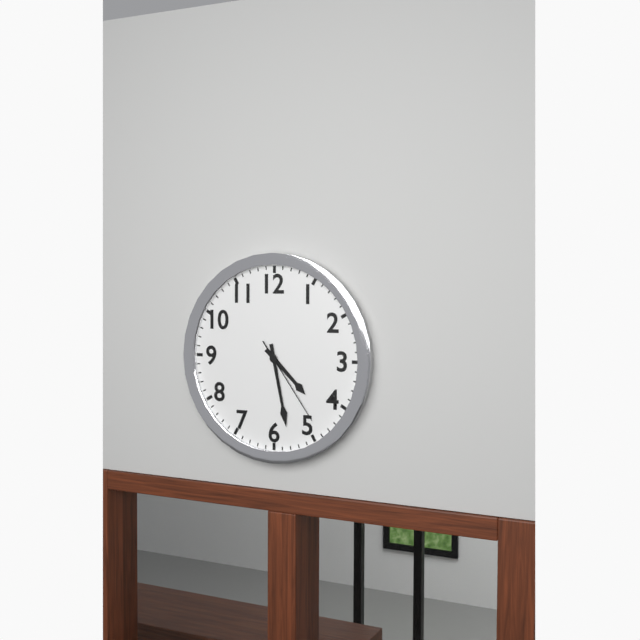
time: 4:28:24
